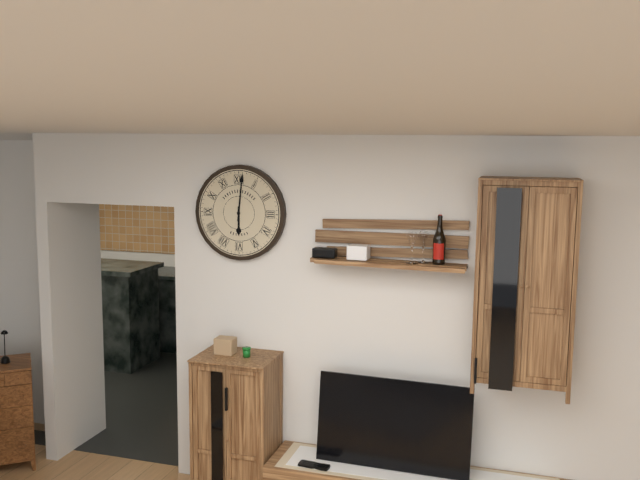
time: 6:01
